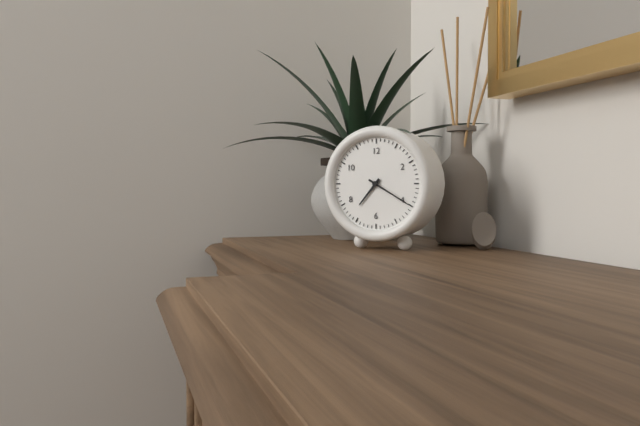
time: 7:20
